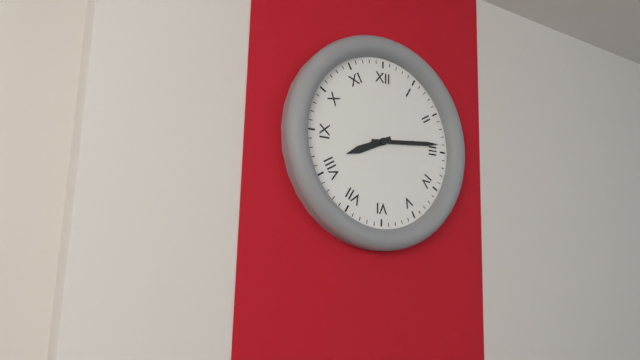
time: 8:14
